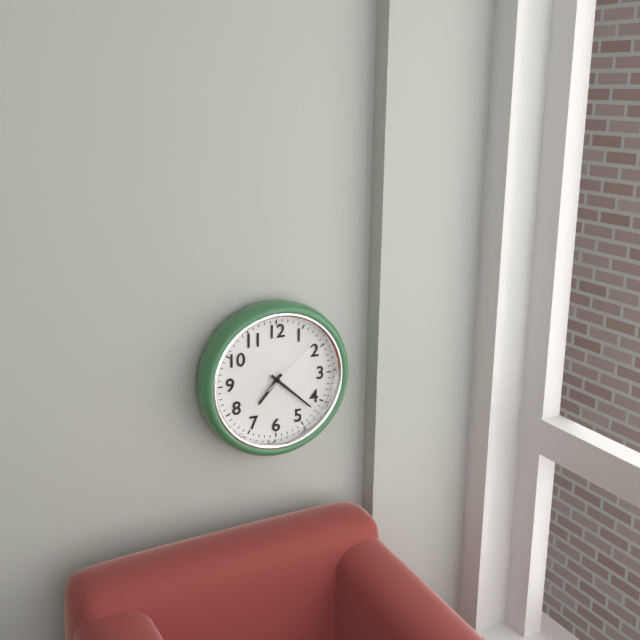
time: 7:22:08
